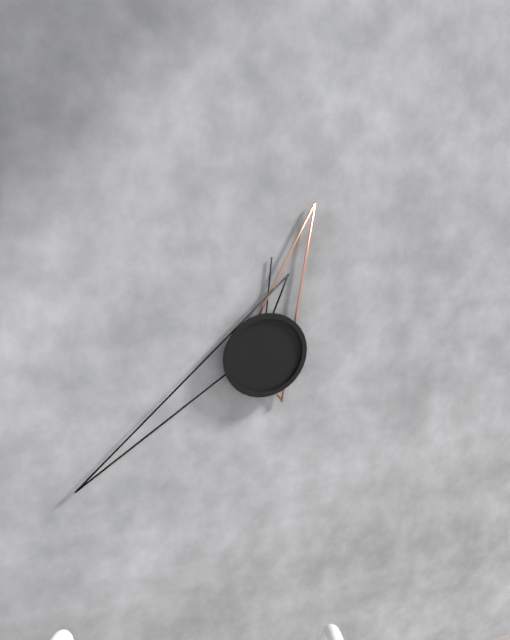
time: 12:40:01
